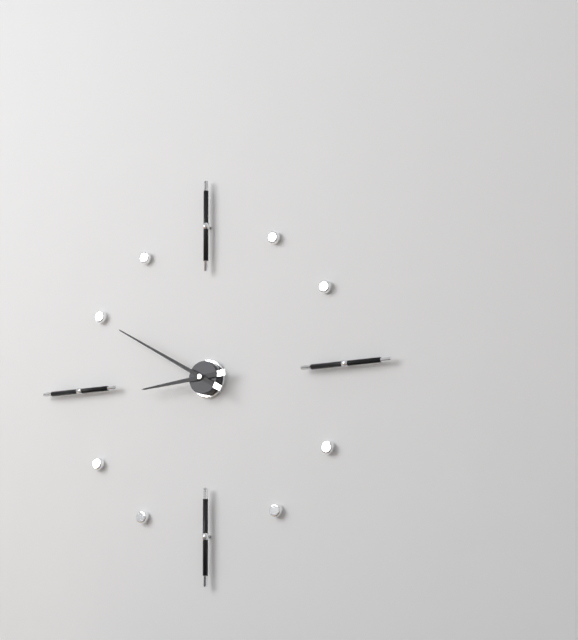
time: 8:50
